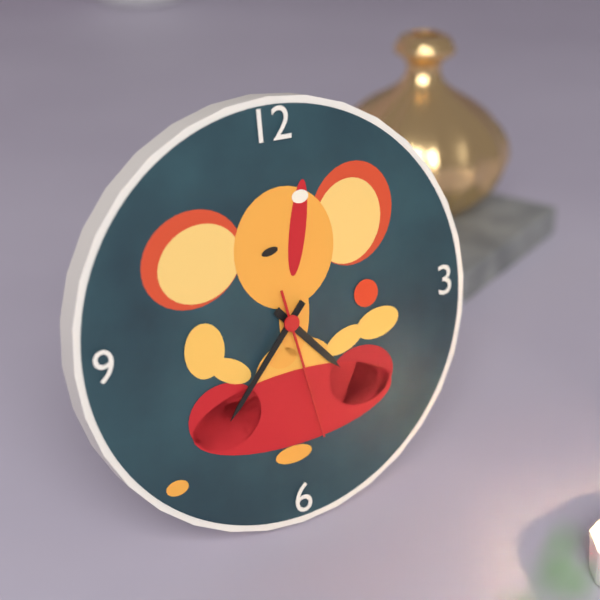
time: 4:37:28
